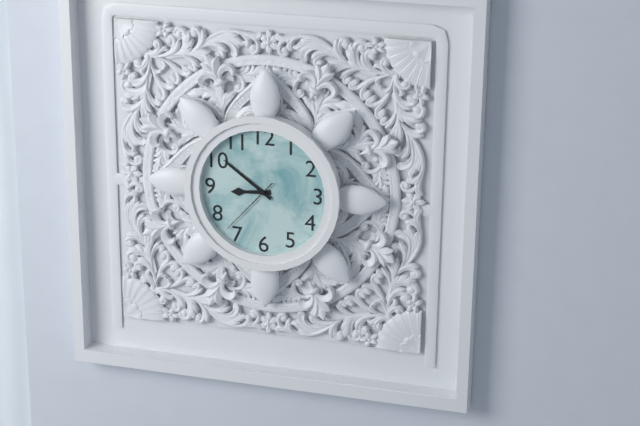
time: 8:51:37
